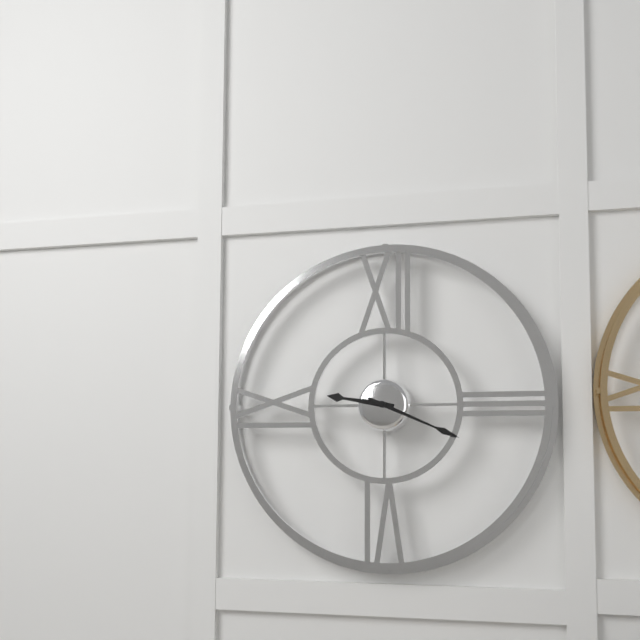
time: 9:19
